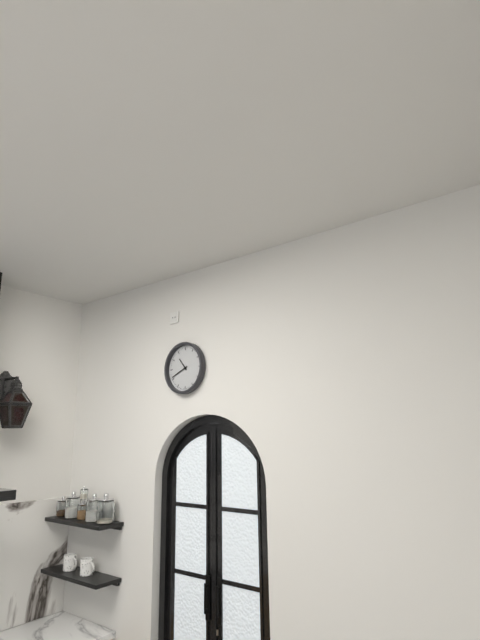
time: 10:41
